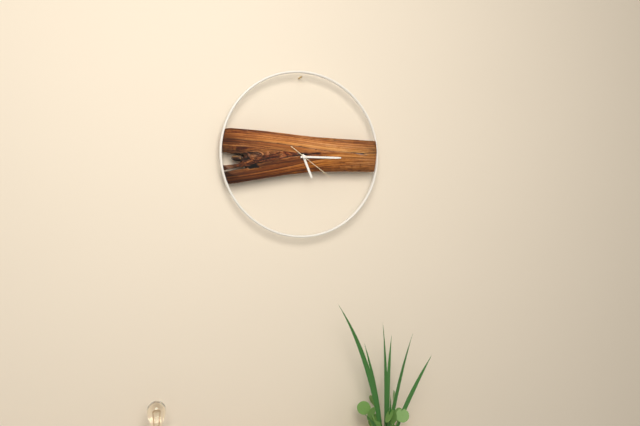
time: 5:15
